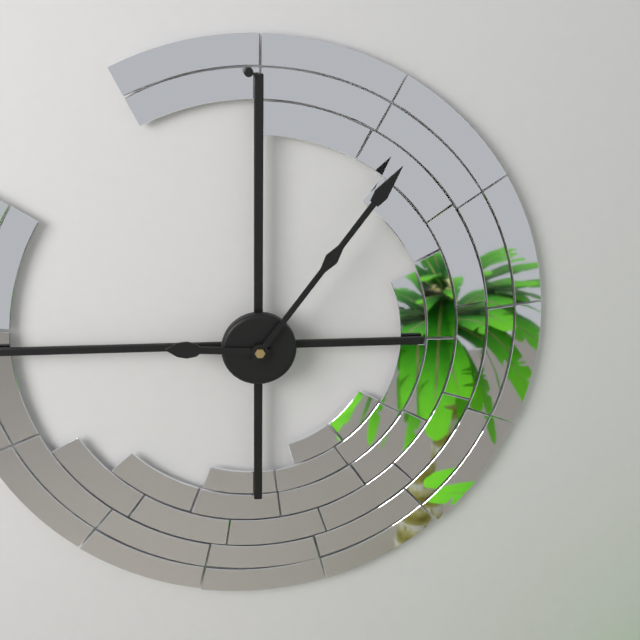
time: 9:06
